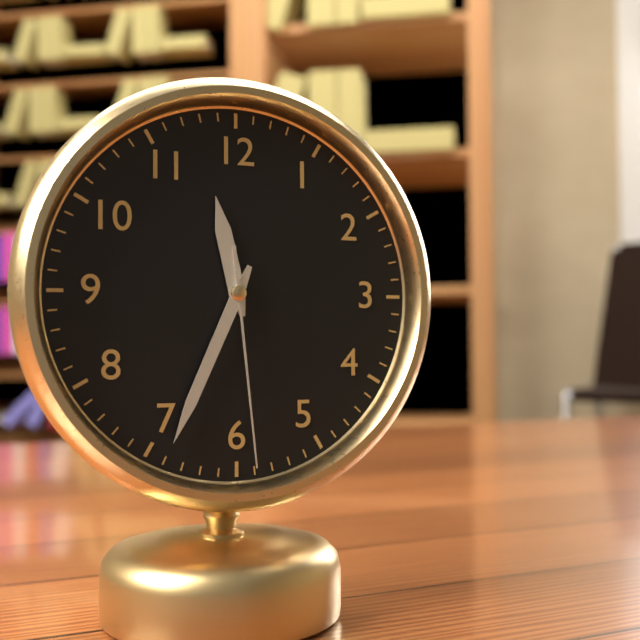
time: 11:34:29
